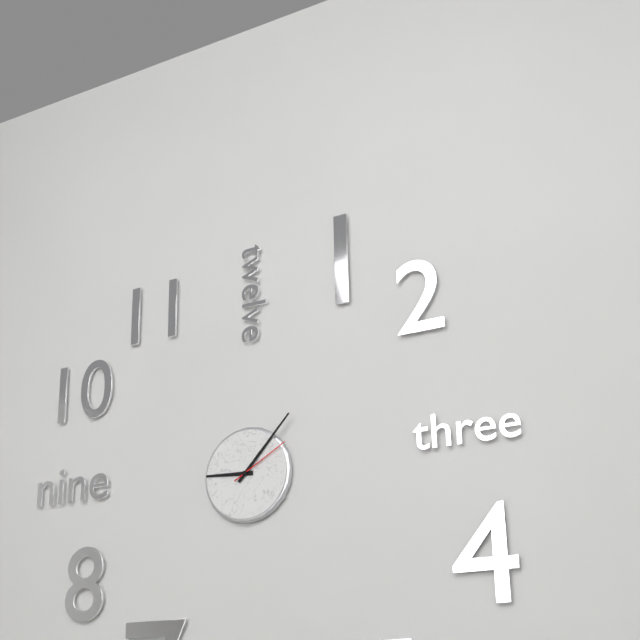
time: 9:07:10
